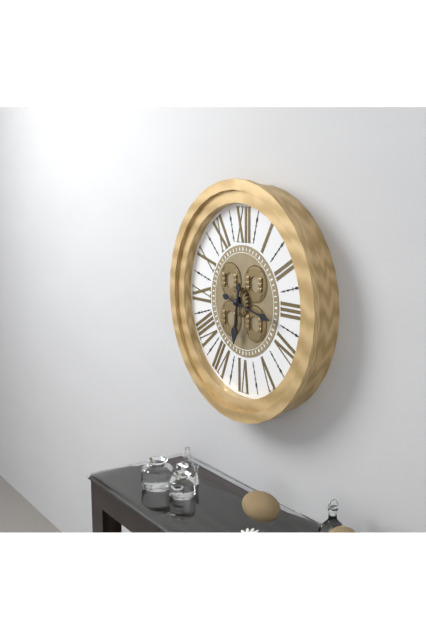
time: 6:17
